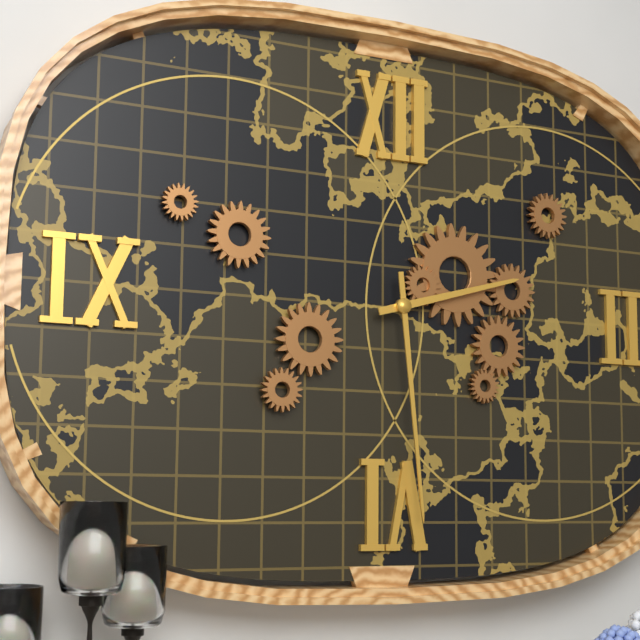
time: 2:29
